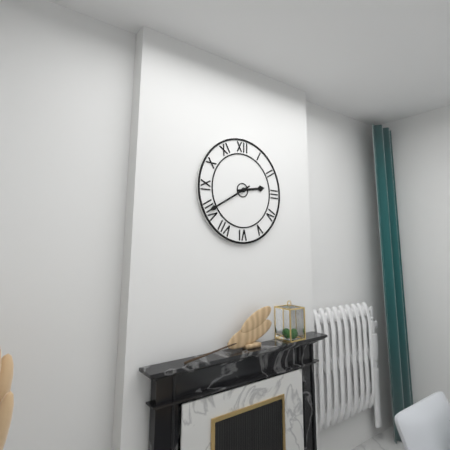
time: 2:40
